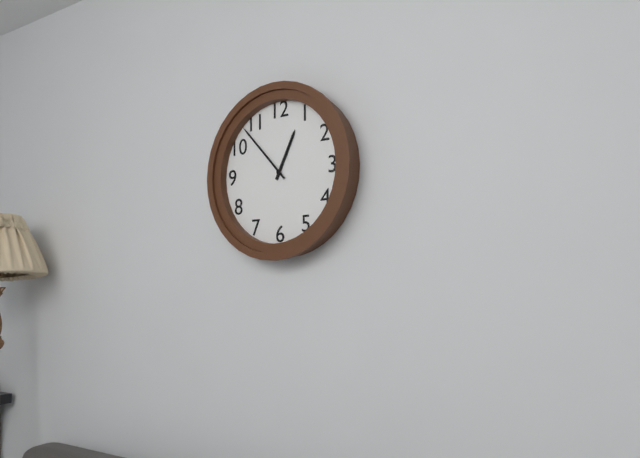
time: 12:53
